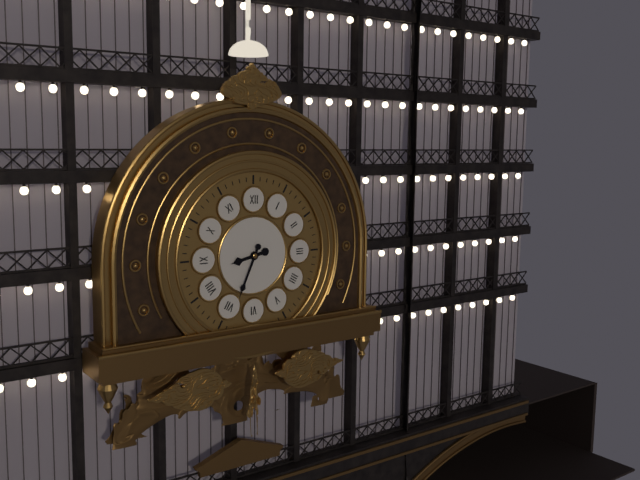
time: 8:34
